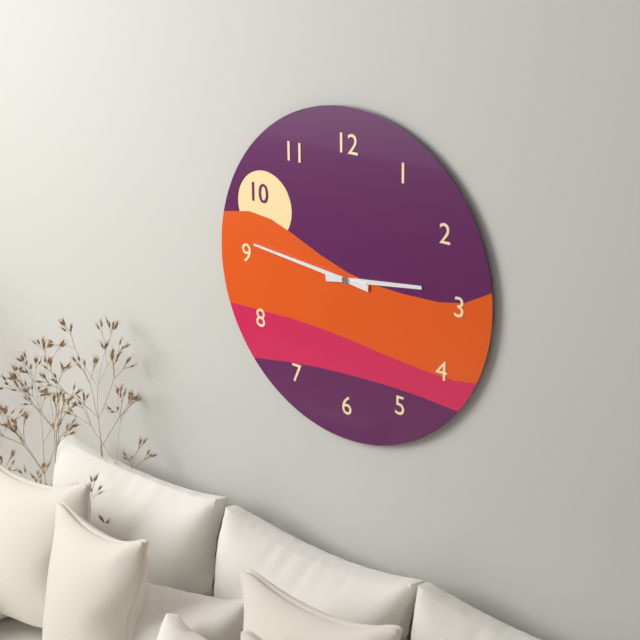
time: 2:46
